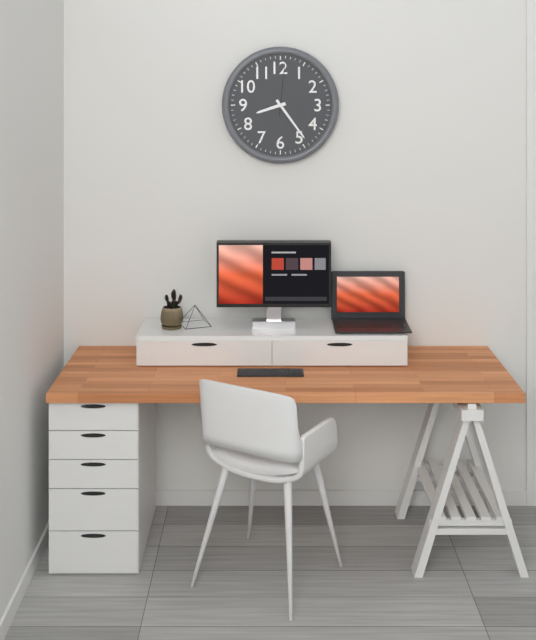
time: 8:24:01
